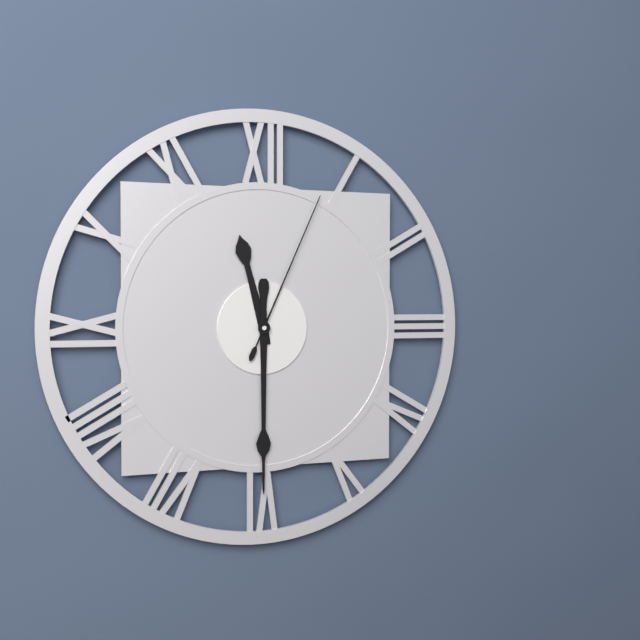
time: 11:30:04
